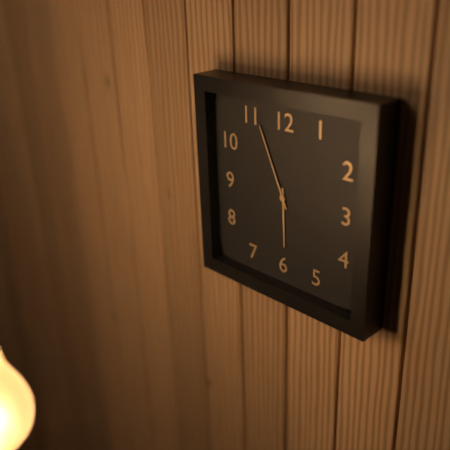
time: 5:56
